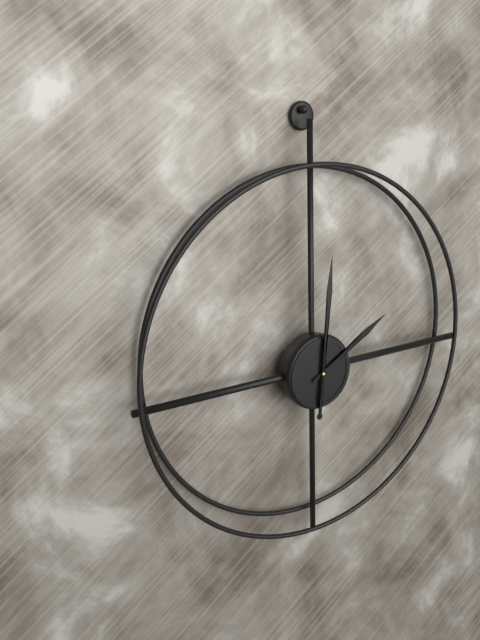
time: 2:01
